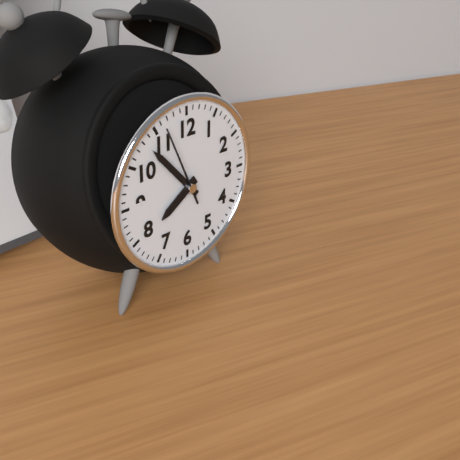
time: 7:53:56
